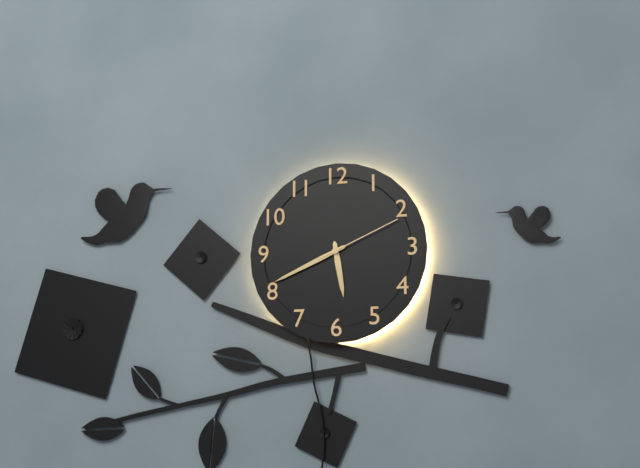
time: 5:41:11
